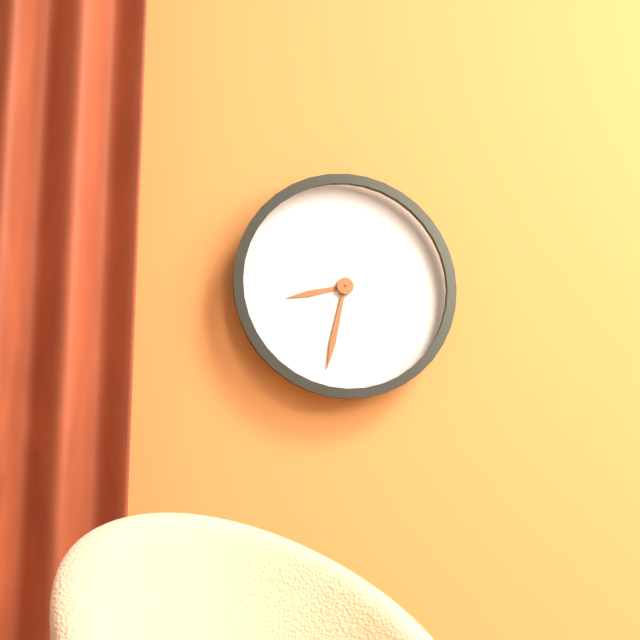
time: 8:32
